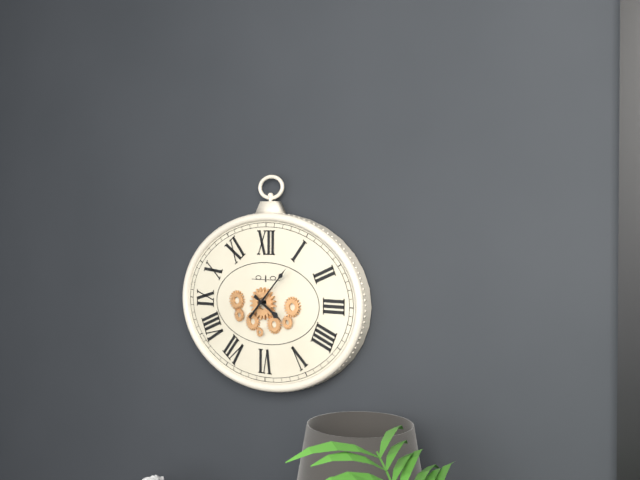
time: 4:07
